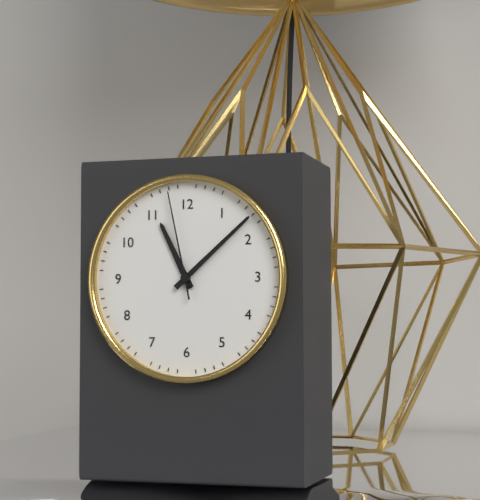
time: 11:08:58
